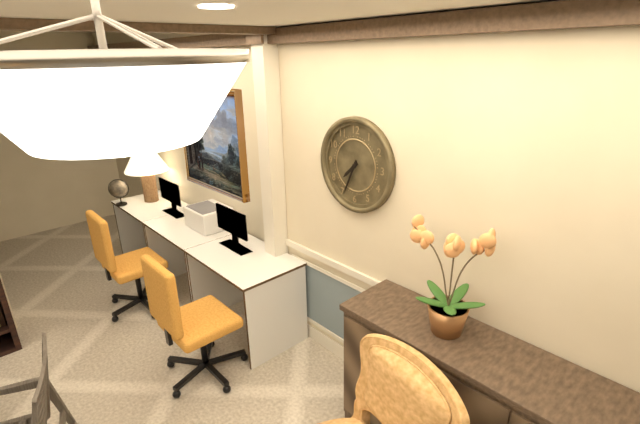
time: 7:34
